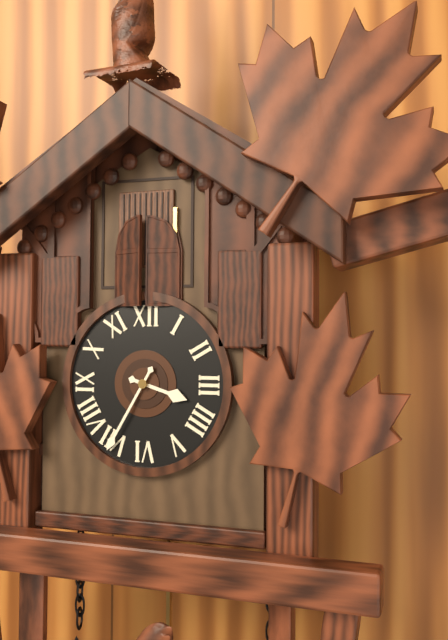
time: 3:35
